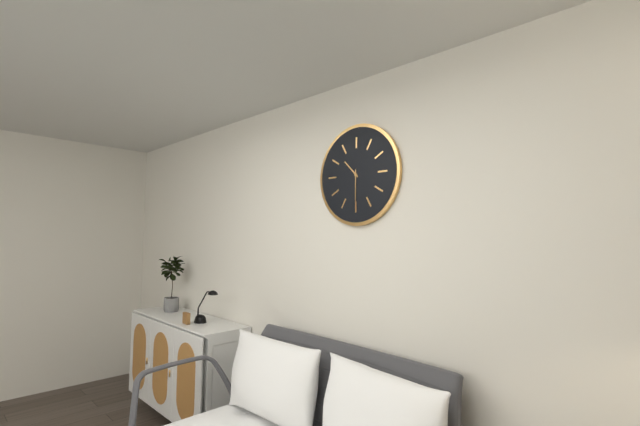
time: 10:30
